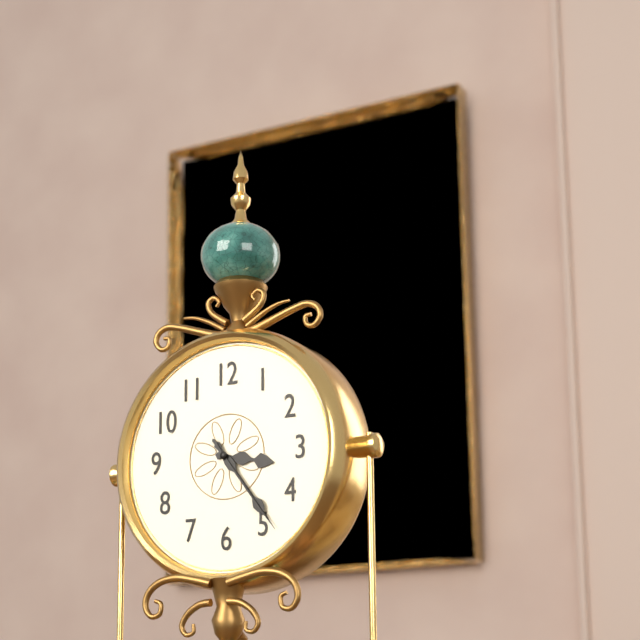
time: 3:24:24
